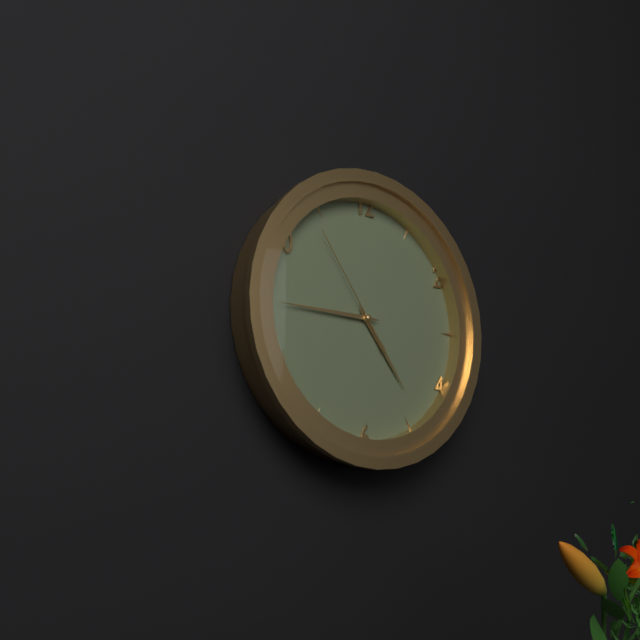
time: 4:45:54
